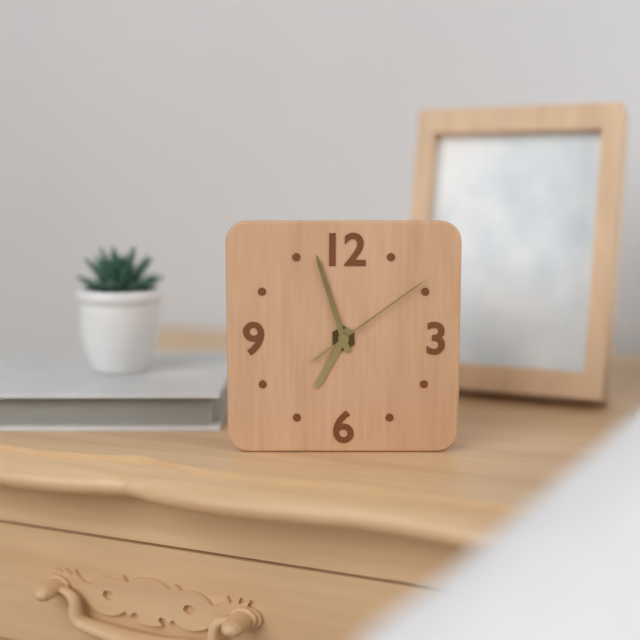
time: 6:57:09
